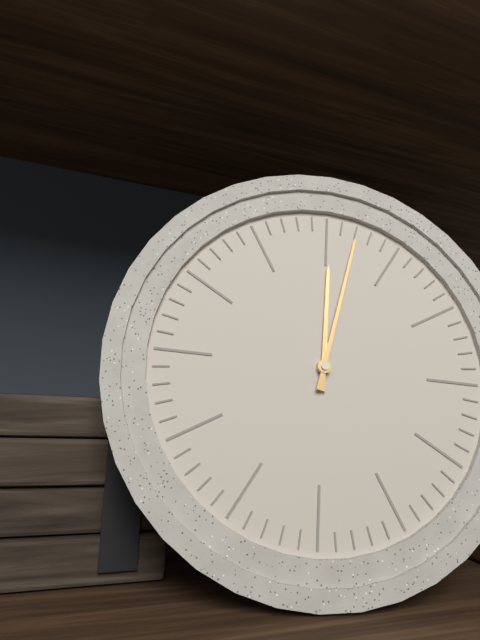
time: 12:02
